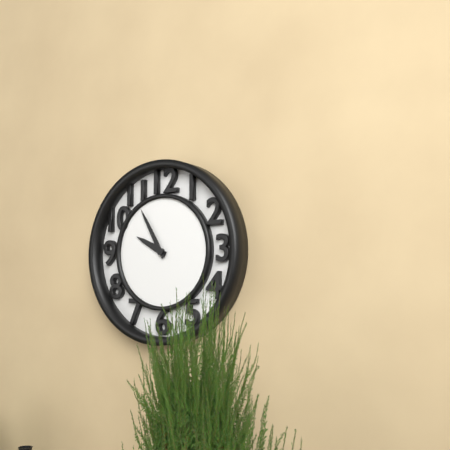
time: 9:55
